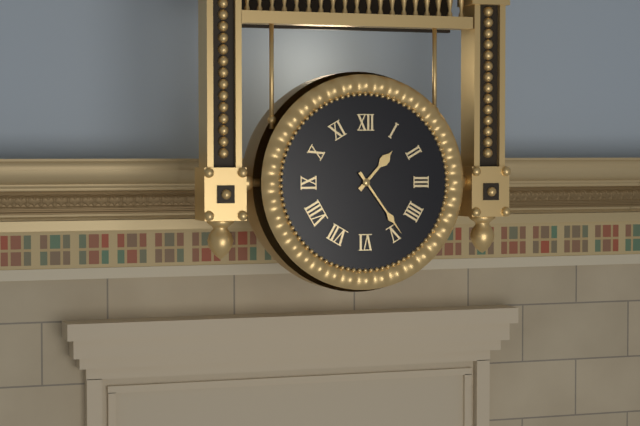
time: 1:24
